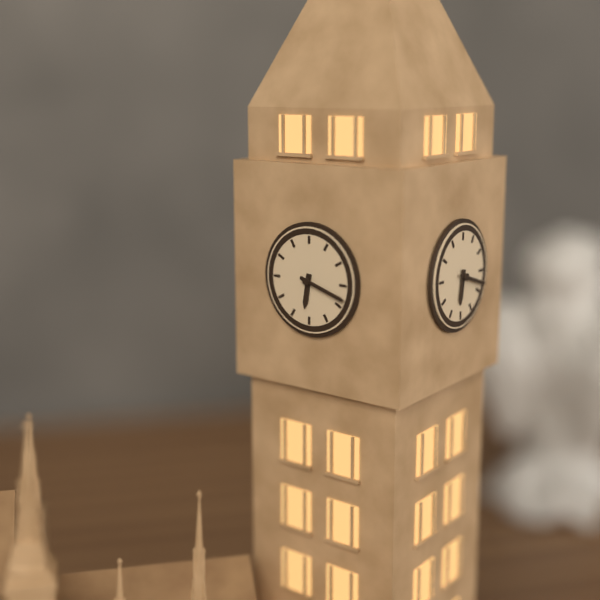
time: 6:18
